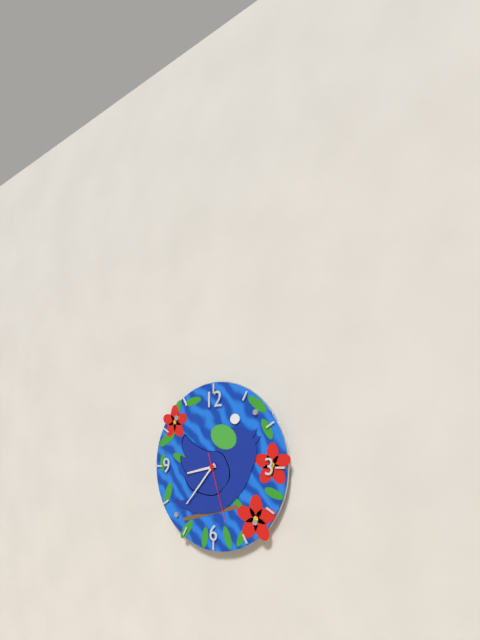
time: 8:37:27
